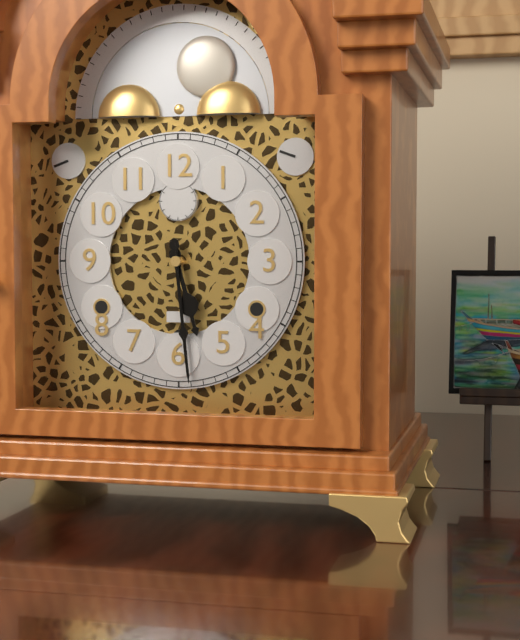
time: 5:29
